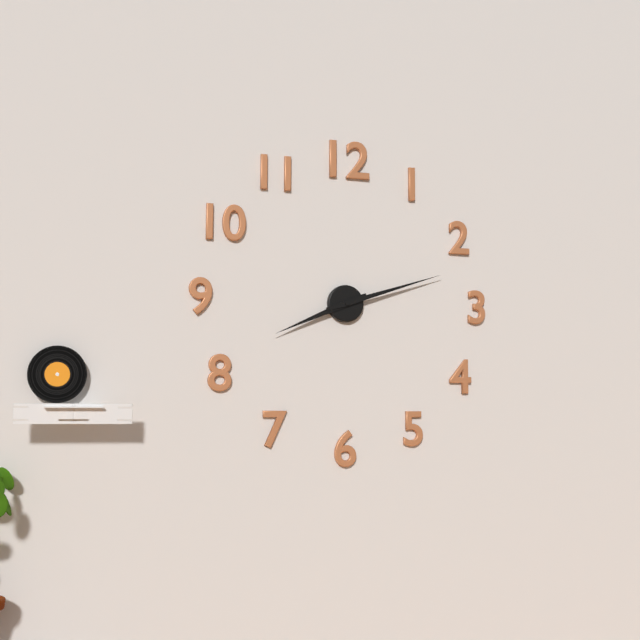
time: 8:12
